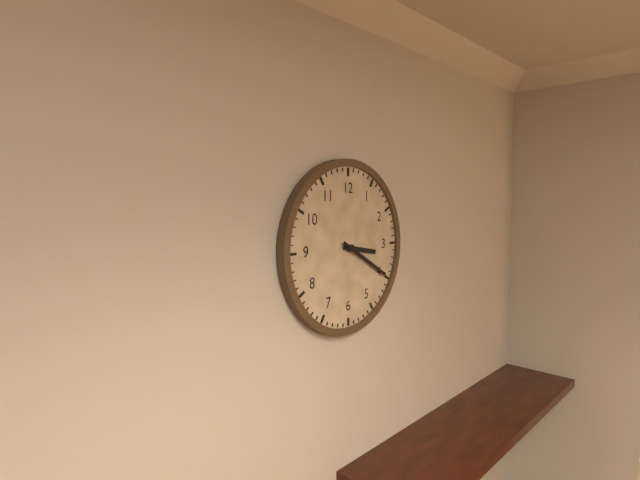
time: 3:20
